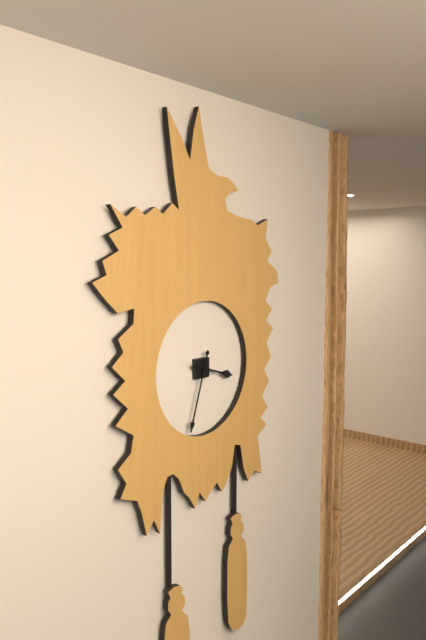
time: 3:33
